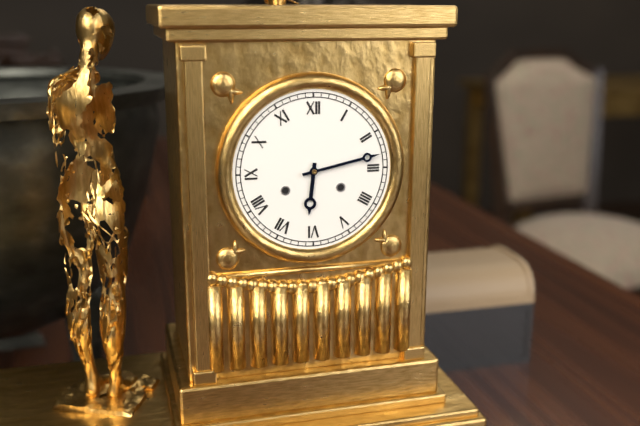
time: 6:13
